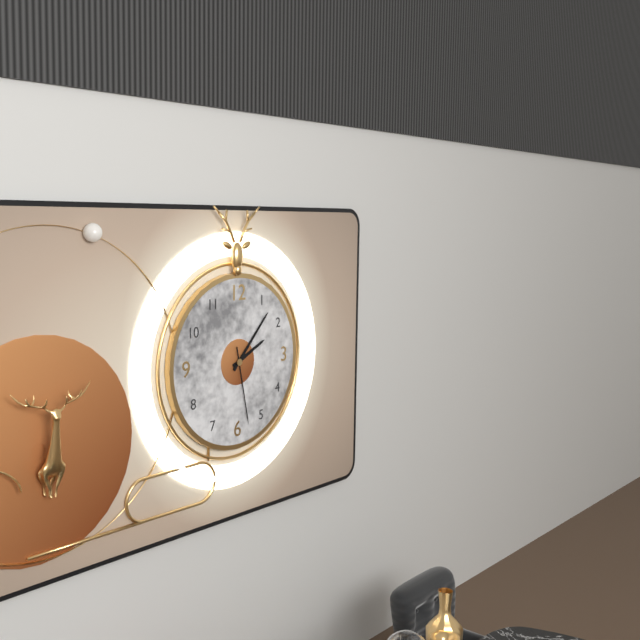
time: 2:07:28
